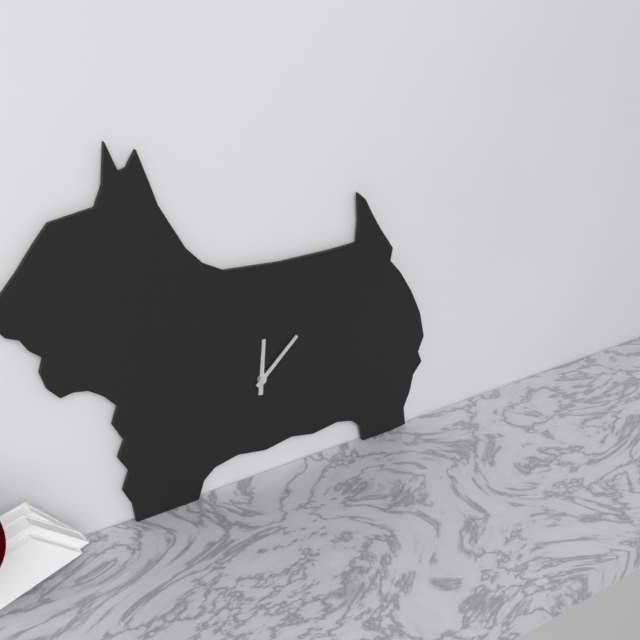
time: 12:08
